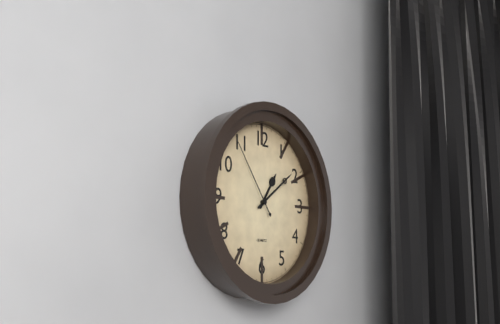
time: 1:09:54
